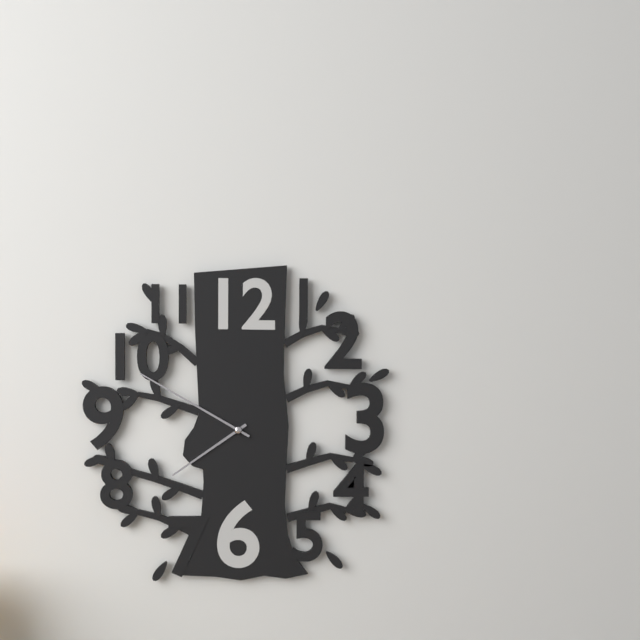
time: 7:50
